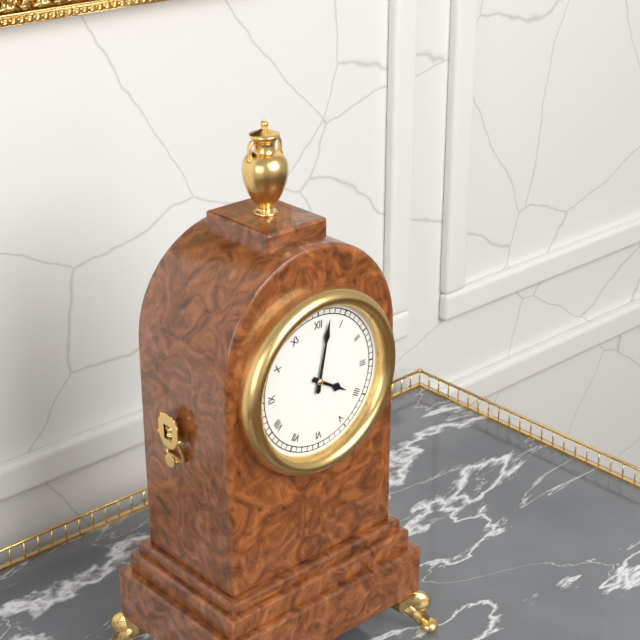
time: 4:02
